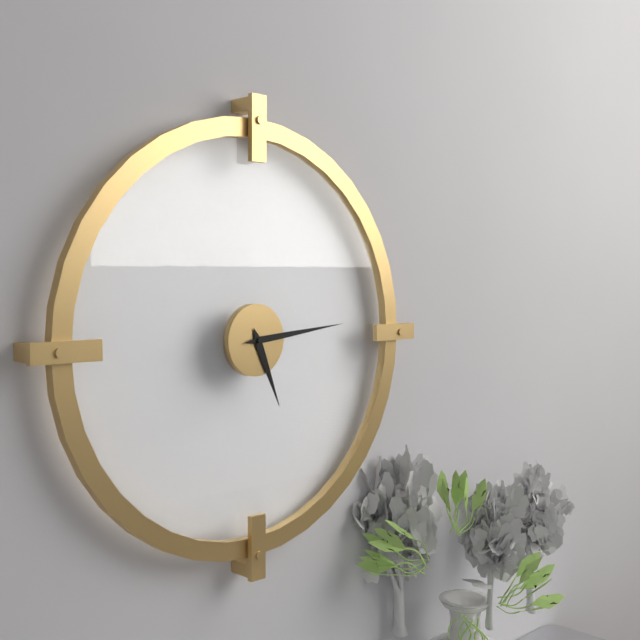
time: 5:14
